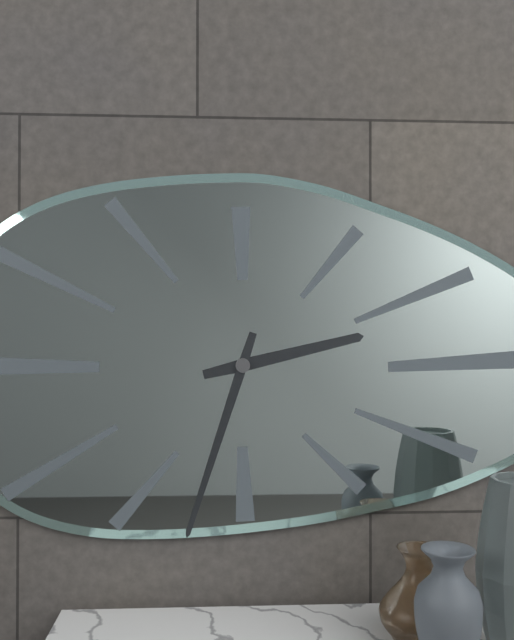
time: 2:33
